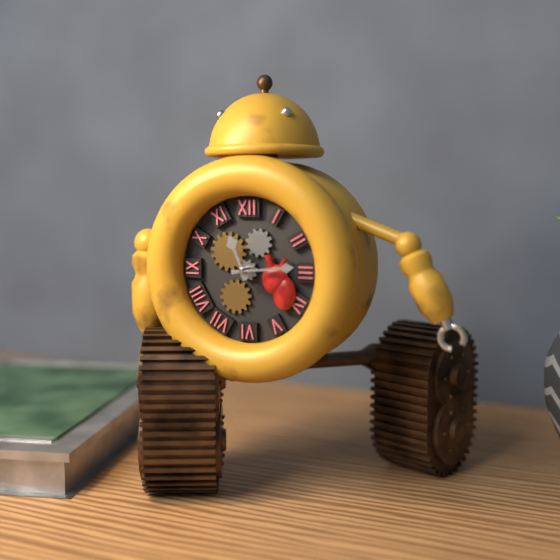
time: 11:14
